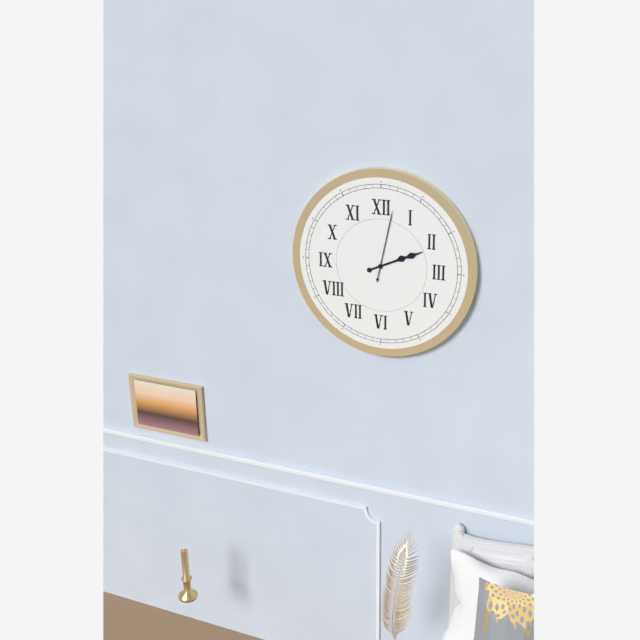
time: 2:11:02
